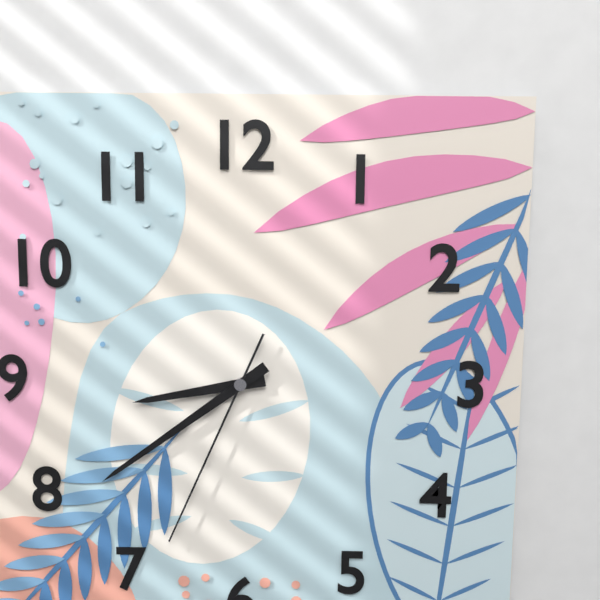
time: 8:39:34
